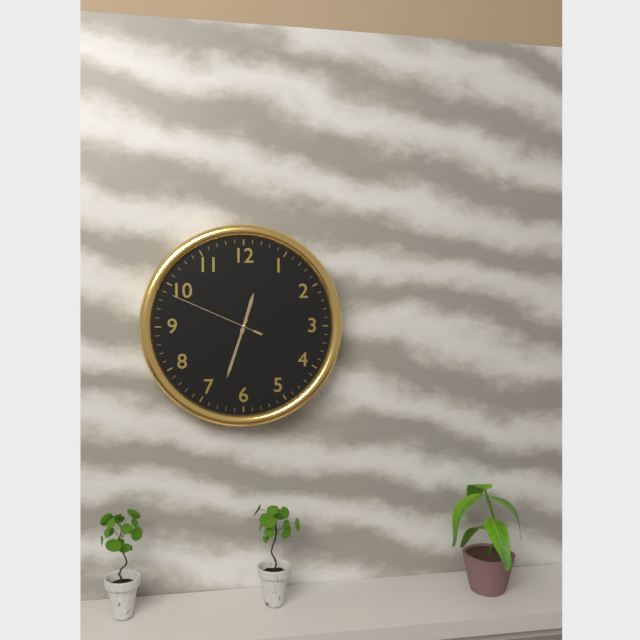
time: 12:33:49
